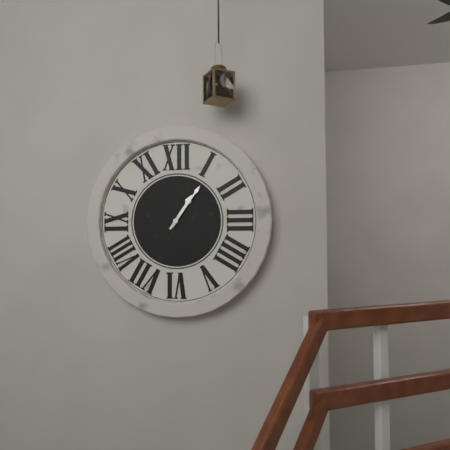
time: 1:06
